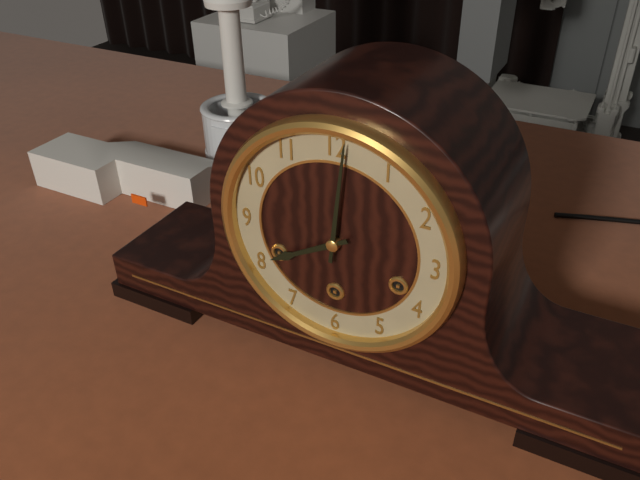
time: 8:01
